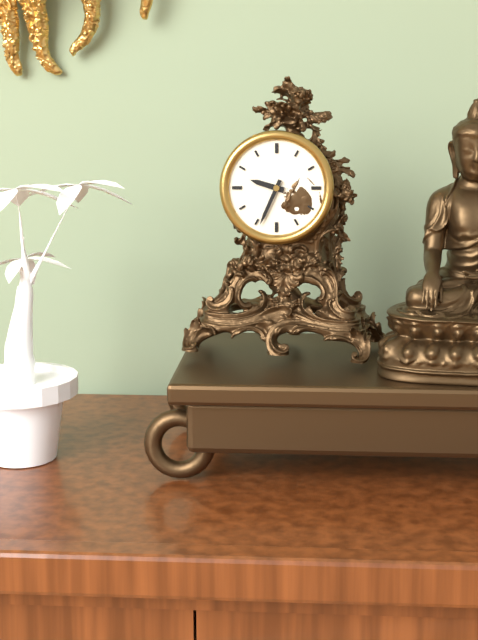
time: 9:34
